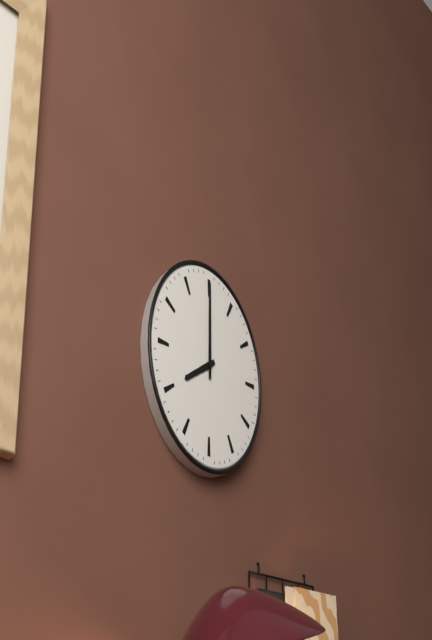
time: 8:00
